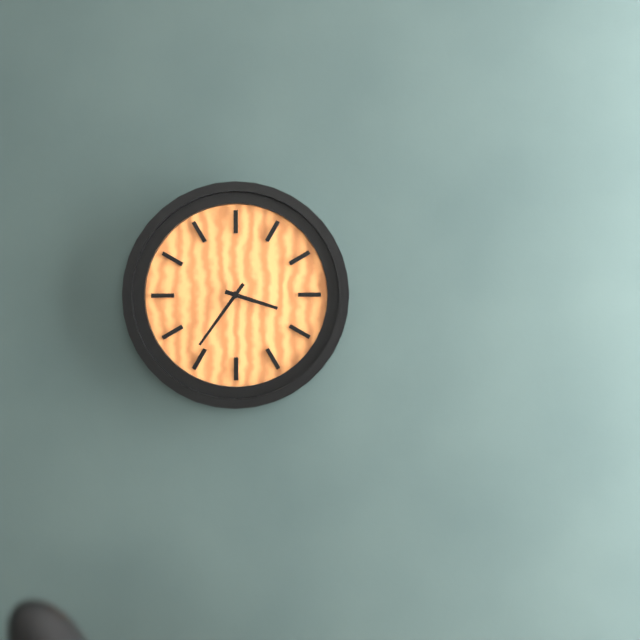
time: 3:36
